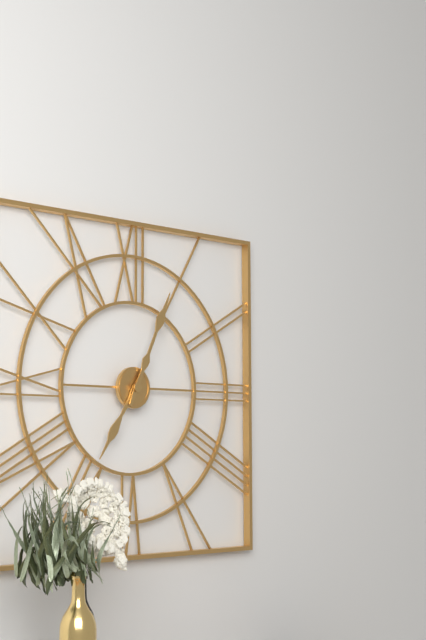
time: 7:04
